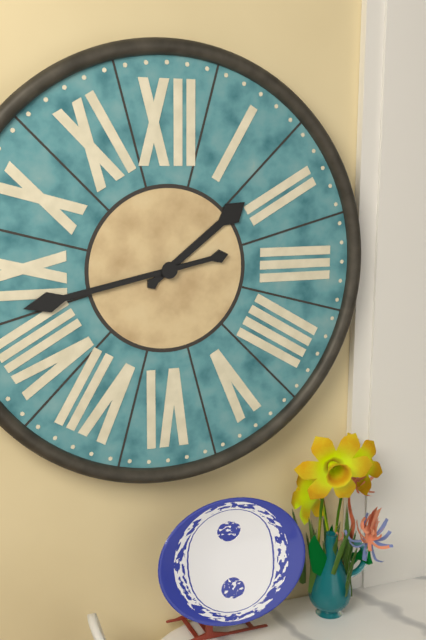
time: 1:43
